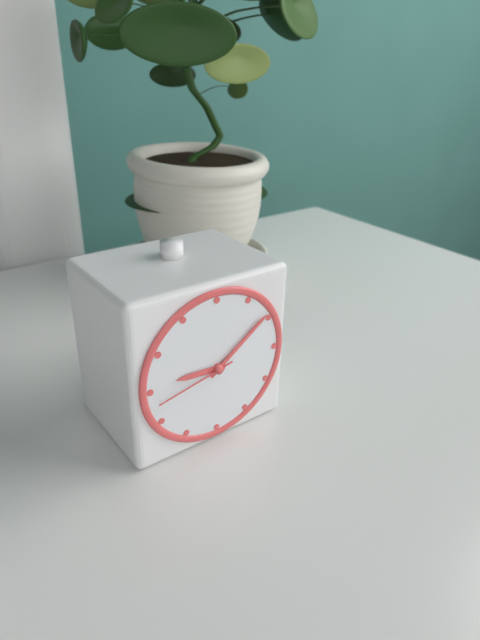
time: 9:09:43
